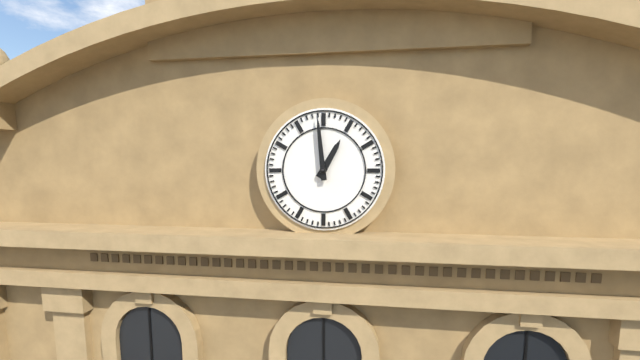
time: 12:59
